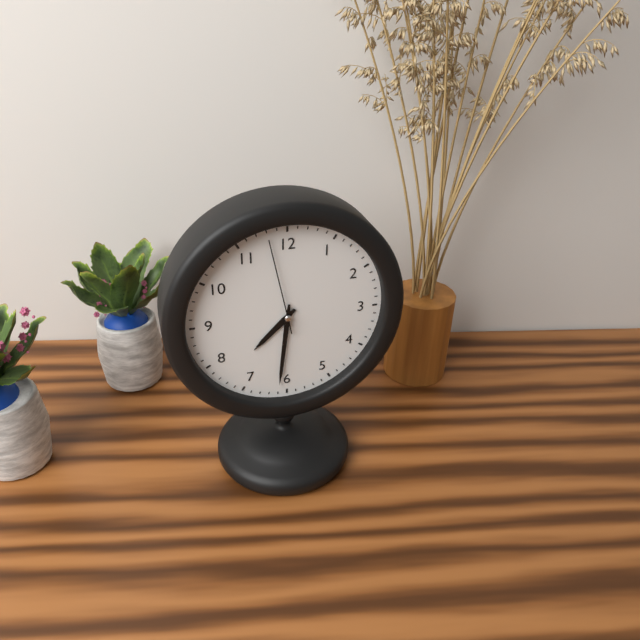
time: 7:31:58
